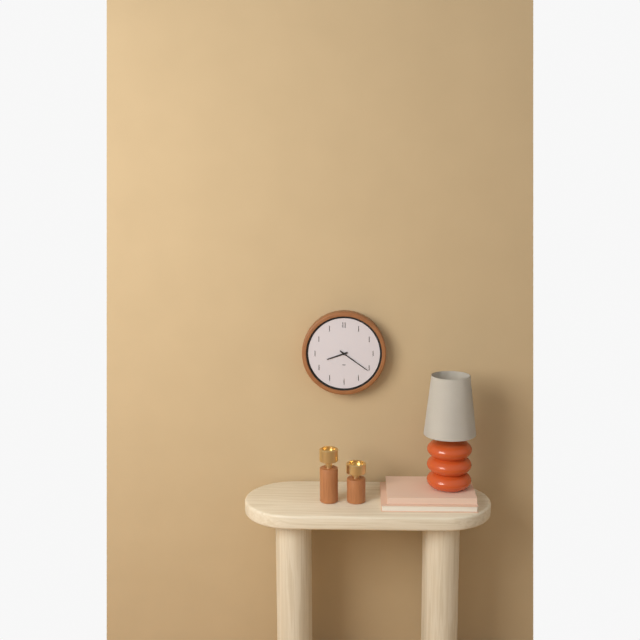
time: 8:21
